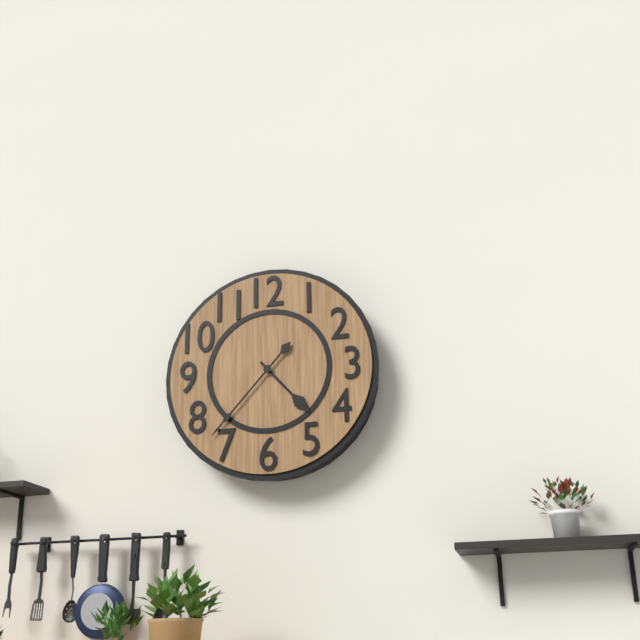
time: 4:37
